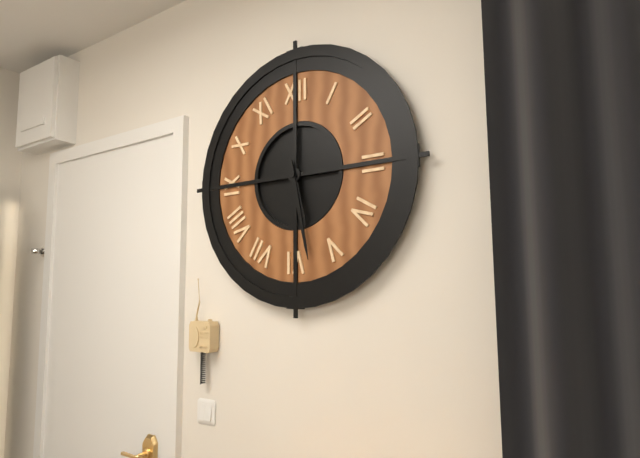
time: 5:28
